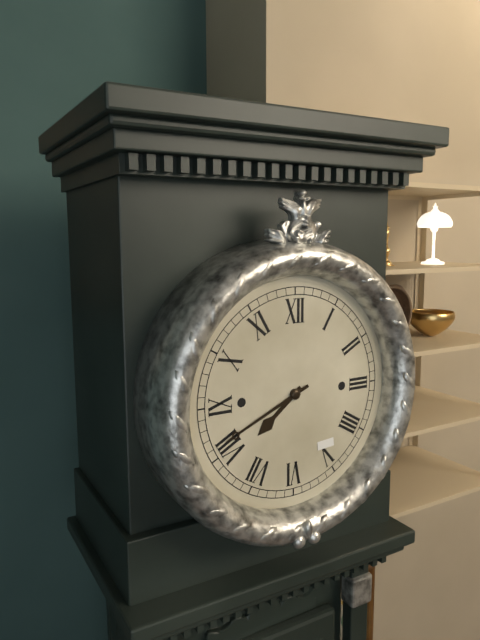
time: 7:41
